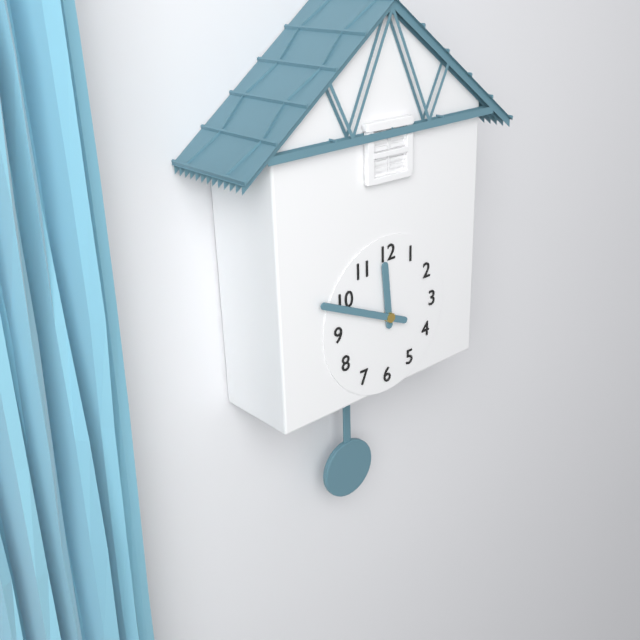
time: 11:49
